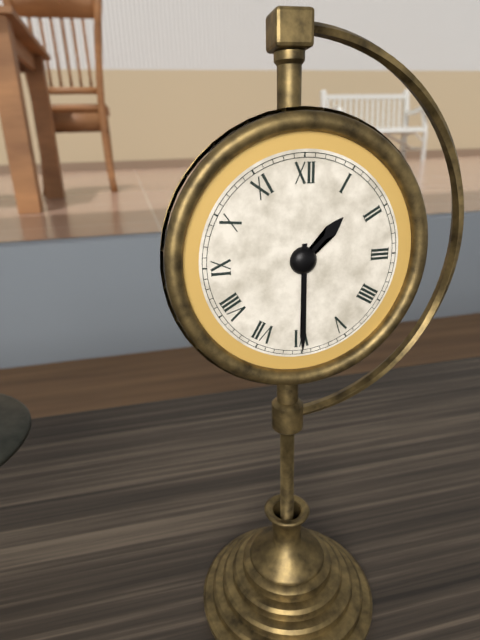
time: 1:30
